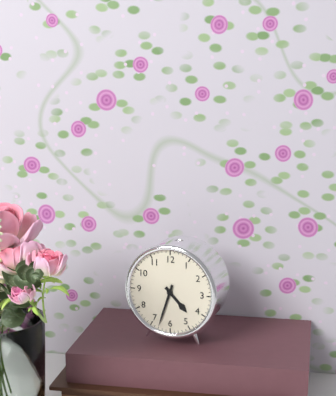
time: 4:33
